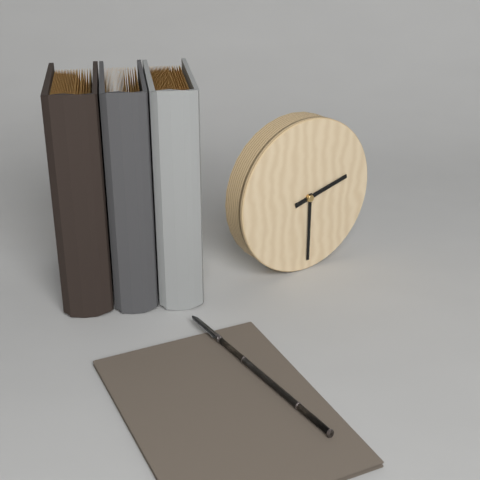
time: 2:30
